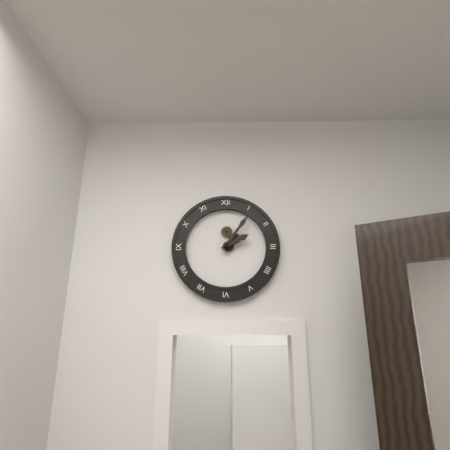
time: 2:06
